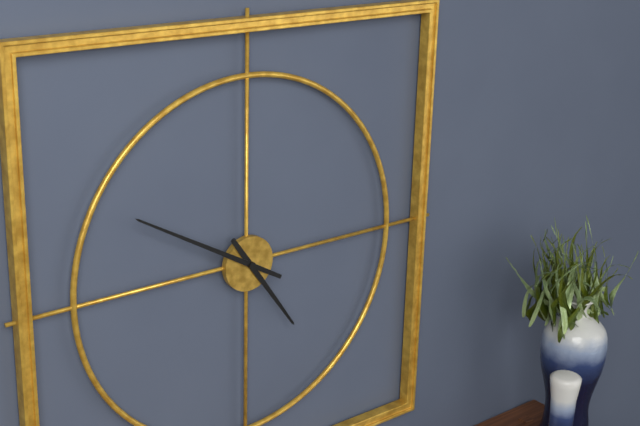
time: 4:50
